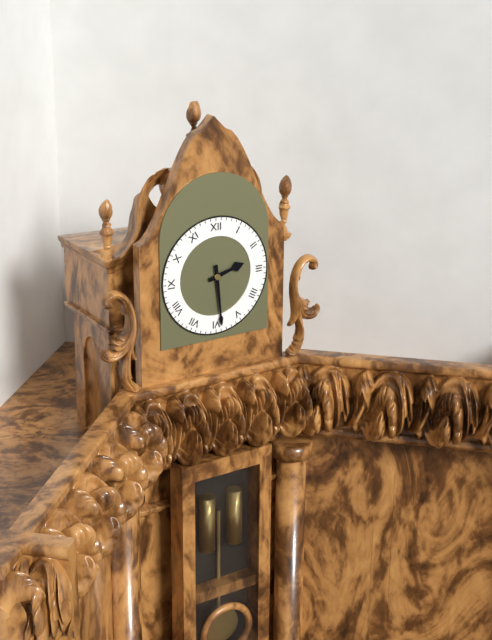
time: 2:29
